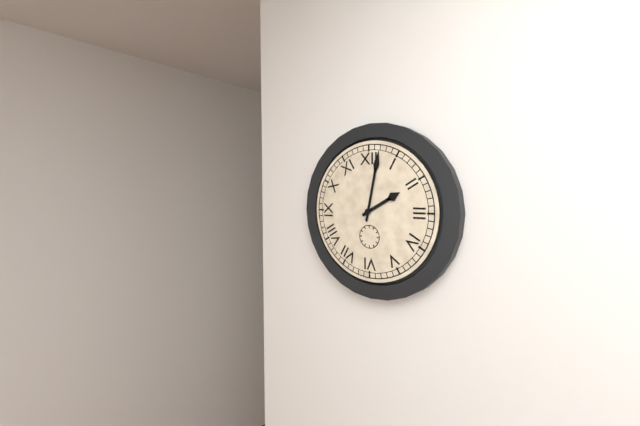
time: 2:02
